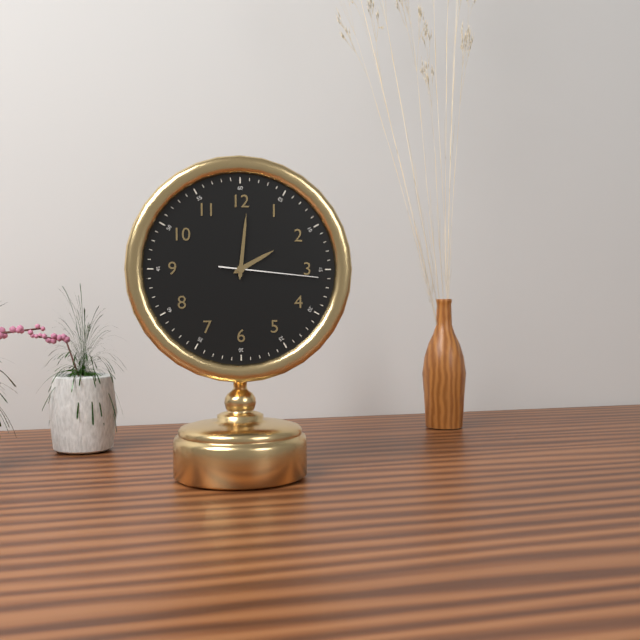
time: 2:01:16
